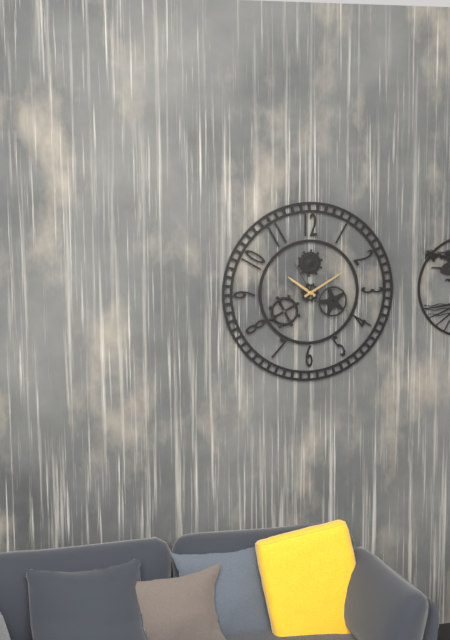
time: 10:10
